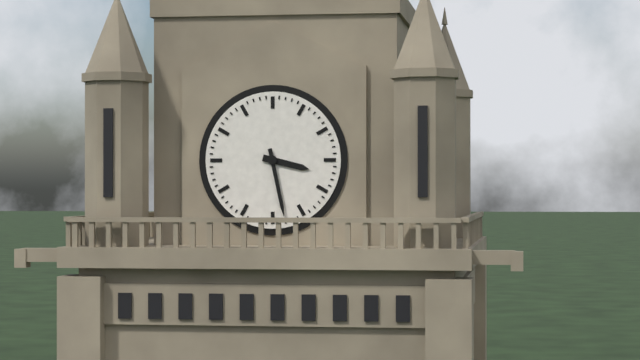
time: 3:28
